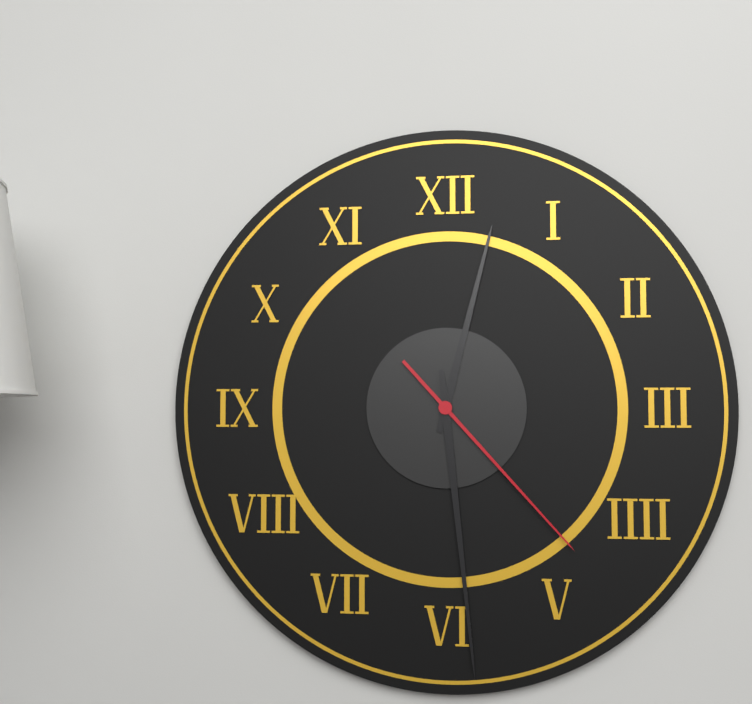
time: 12:29:23
